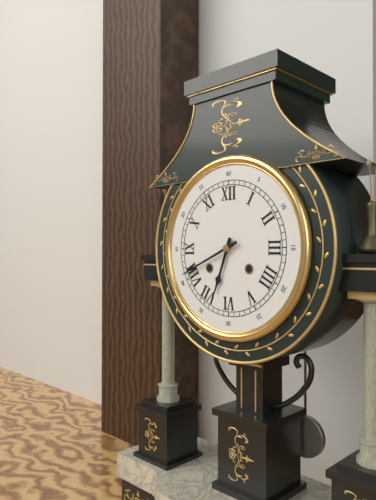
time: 6:41
